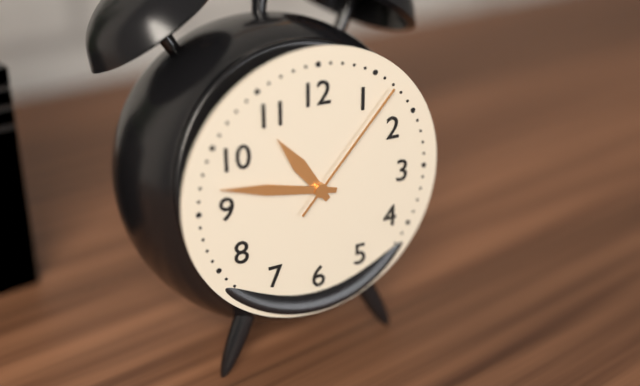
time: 10:47:07
